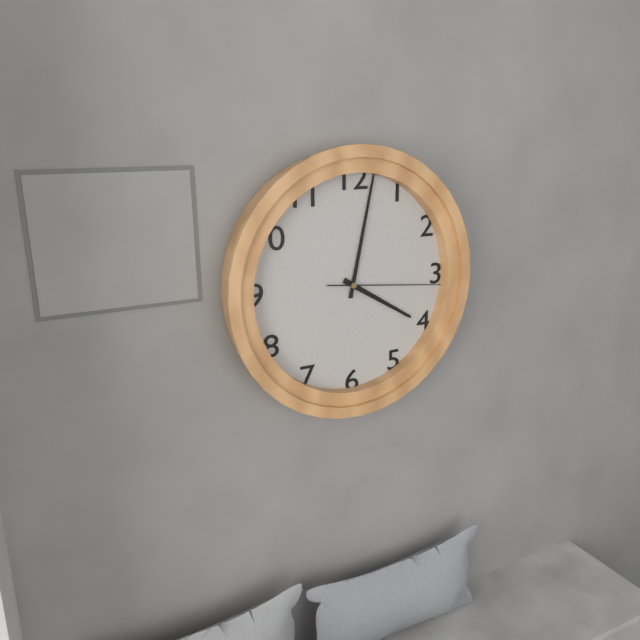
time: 4:02:16
